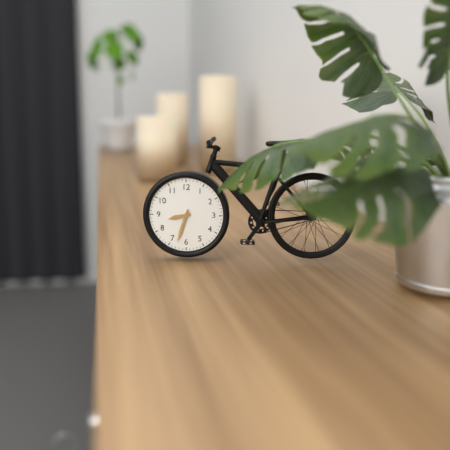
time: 8:33
